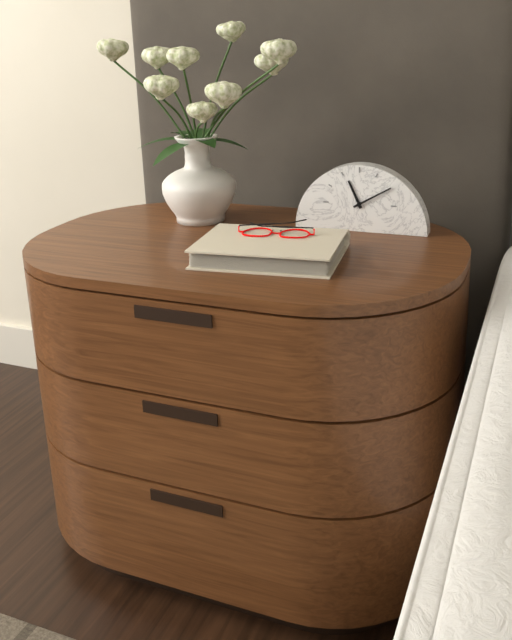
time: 11:10
